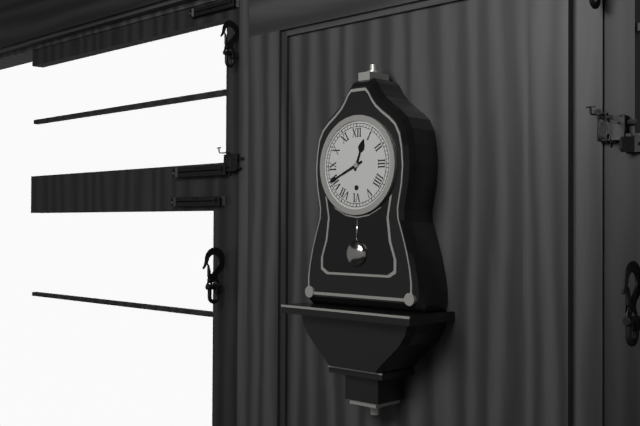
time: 12:41
